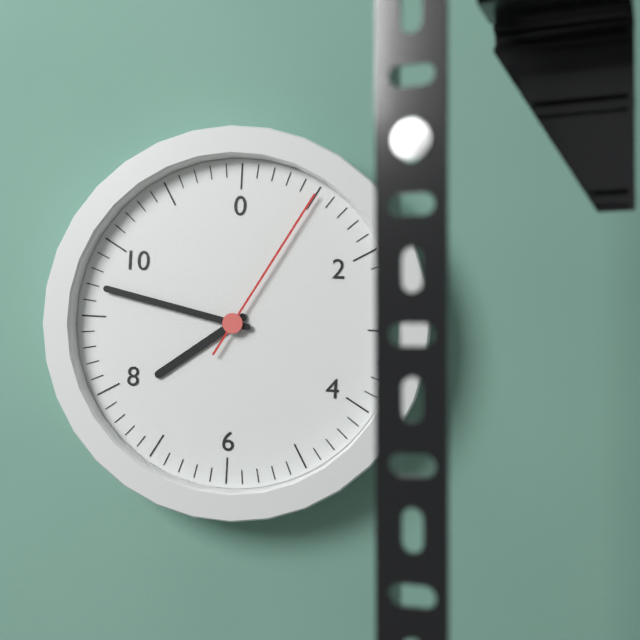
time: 7:47:05
